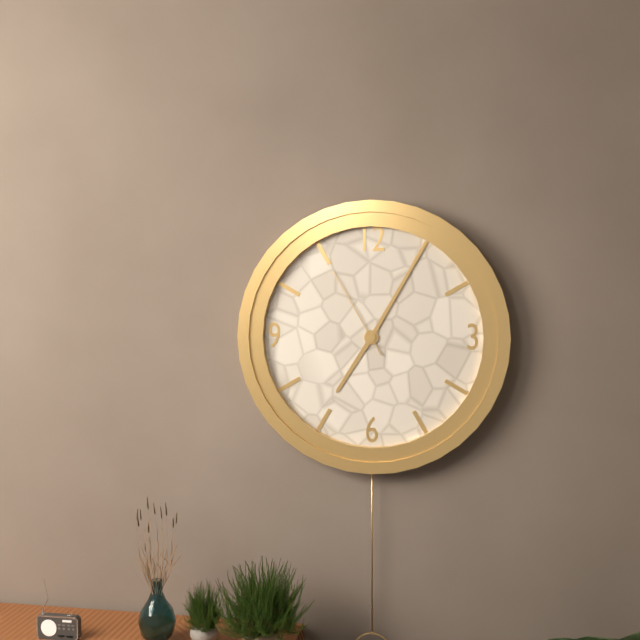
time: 7:05:55
